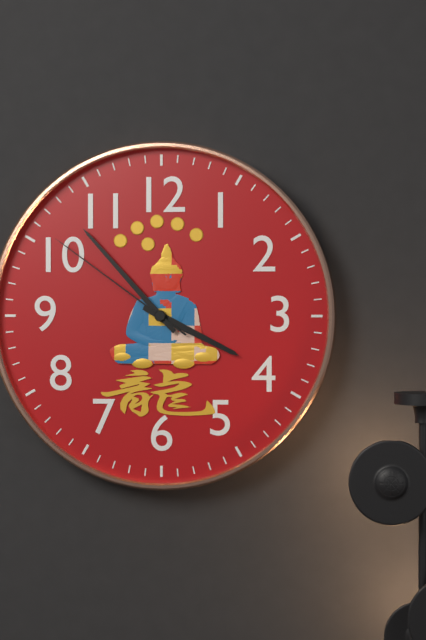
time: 3:53:51
